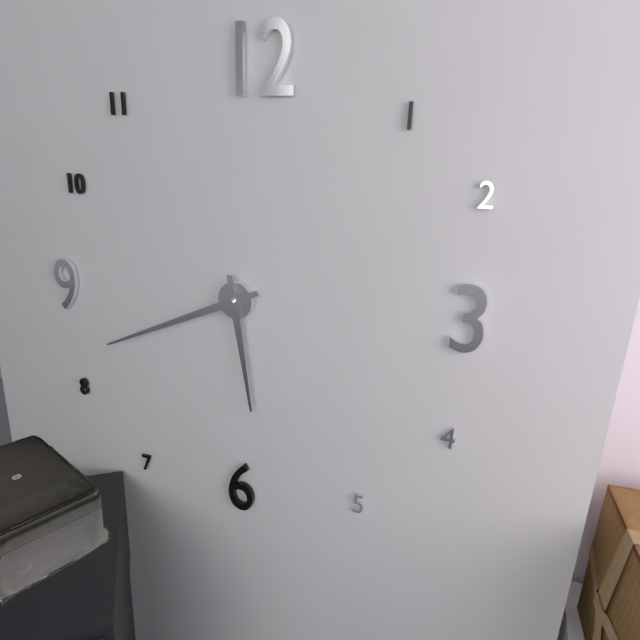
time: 5:41
